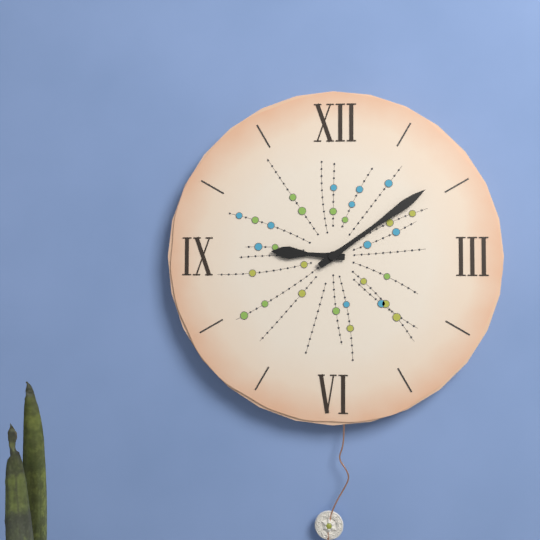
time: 9:09
